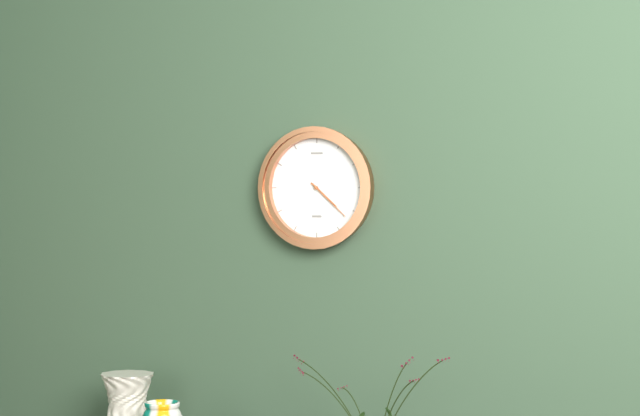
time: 4:22
